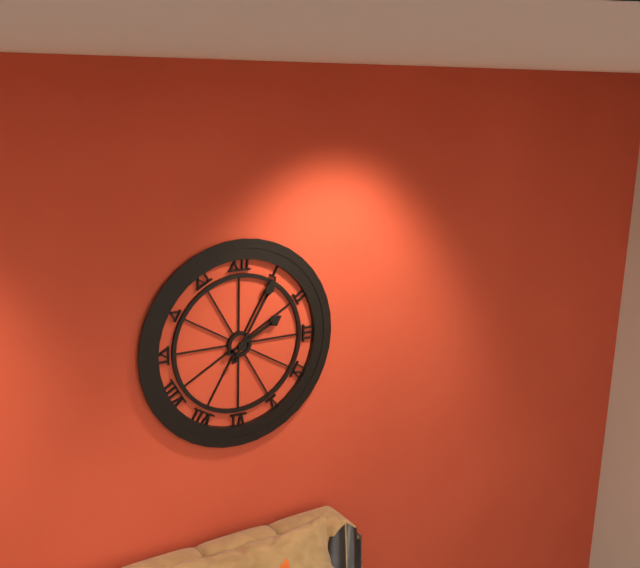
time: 2:05
